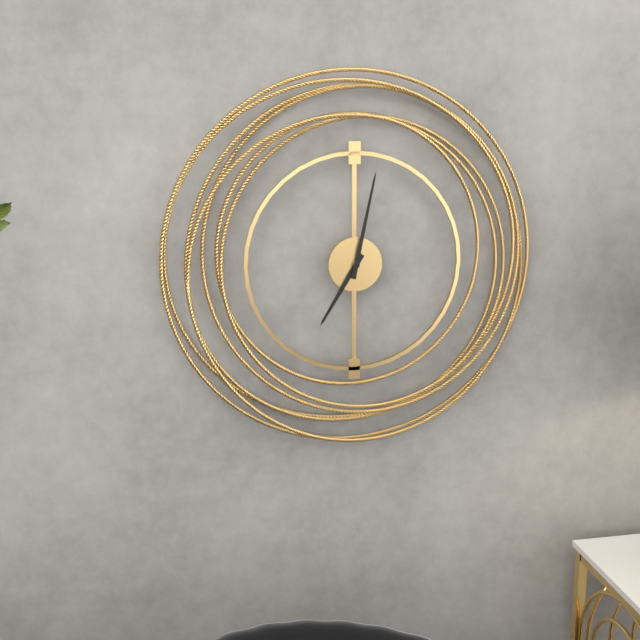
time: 7:02
